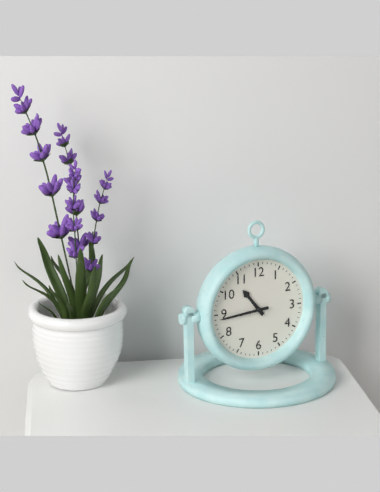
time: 10:44
